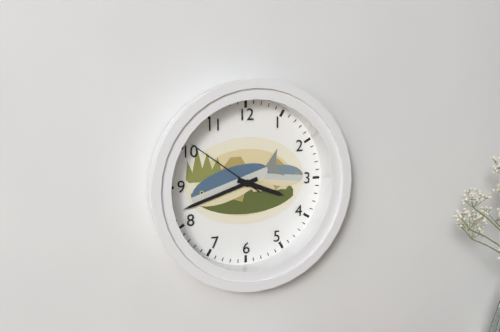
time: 3:42:51
